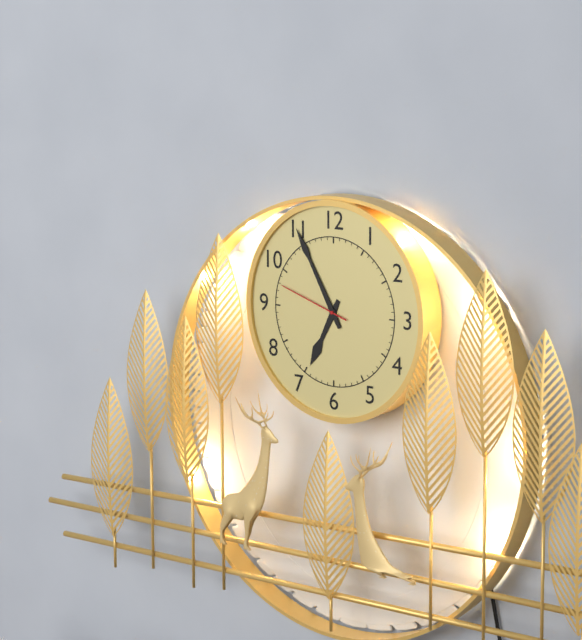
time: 6:55:48
